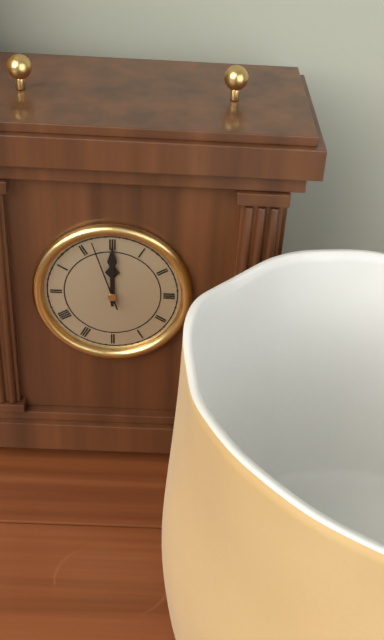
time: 12:00:57
